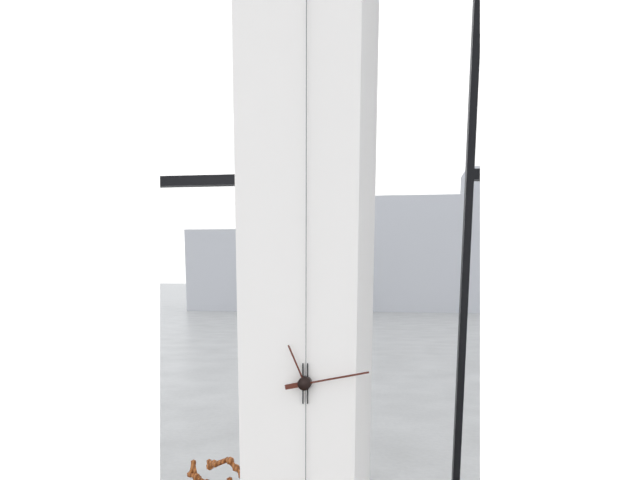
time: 11:13
